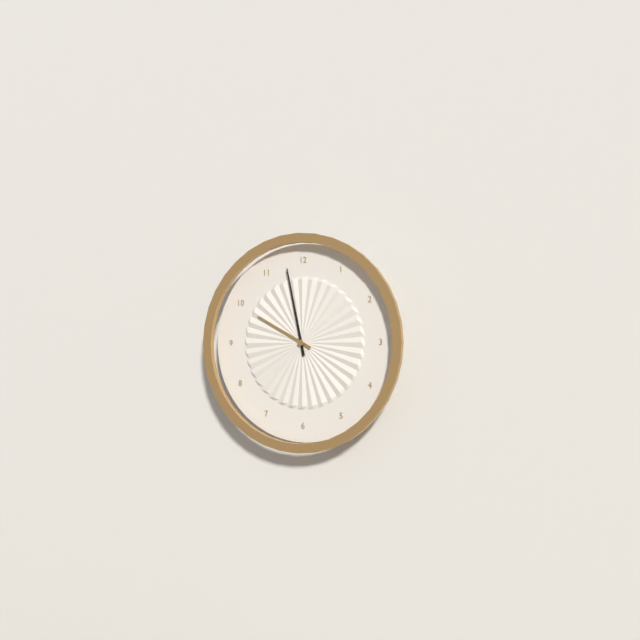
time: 9:58
